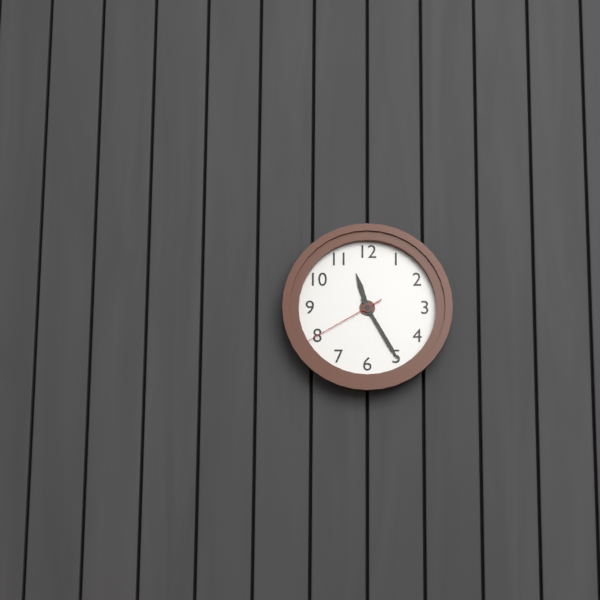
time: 11:25:40
